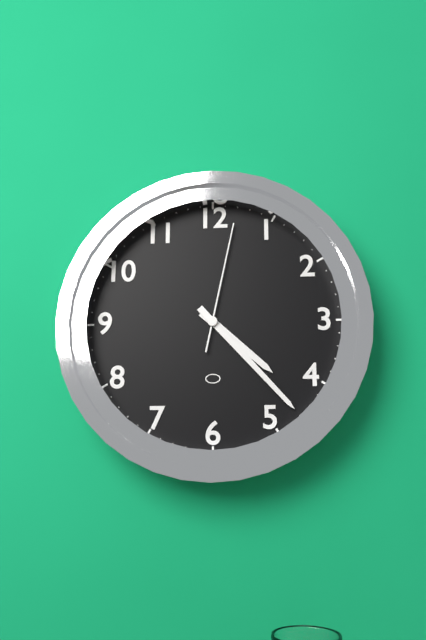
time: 4:23:02
